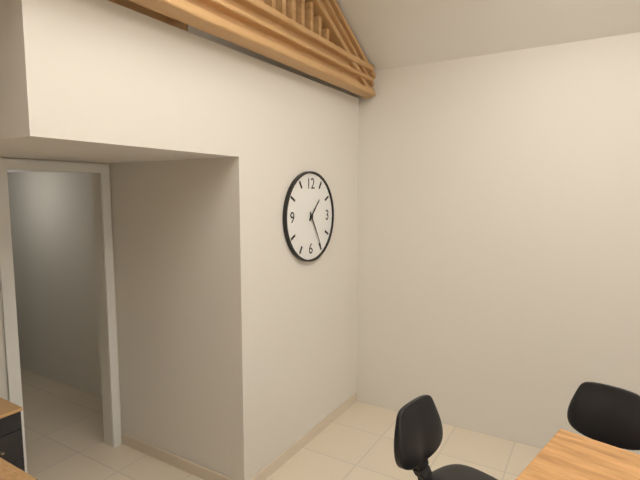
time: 1:25
